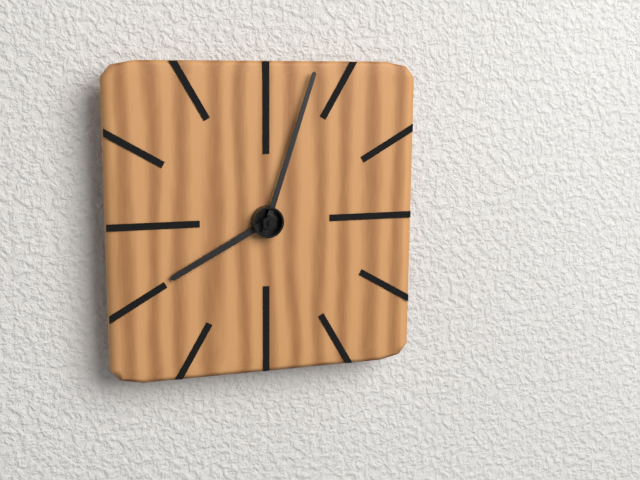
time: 8:03
